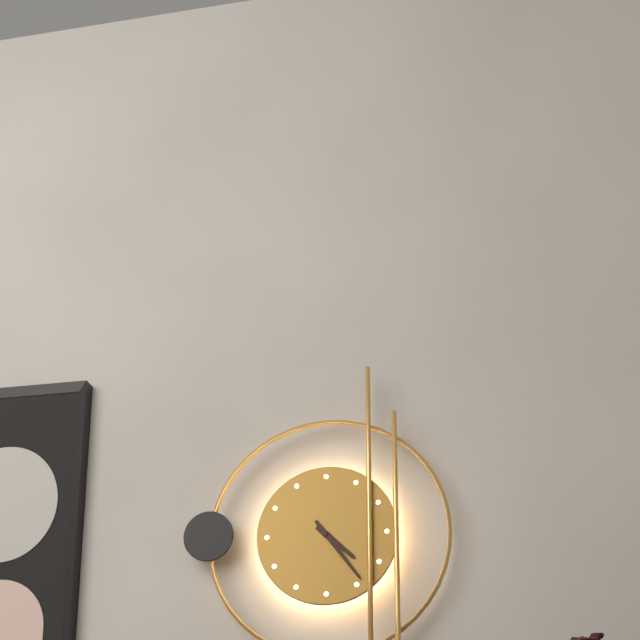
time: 4:24
